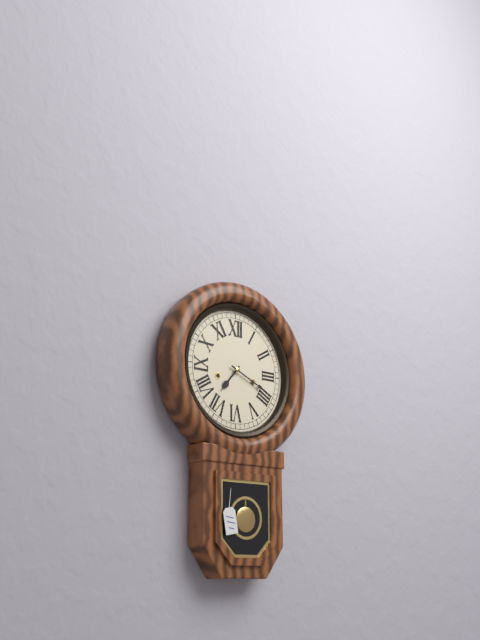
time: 7:19
